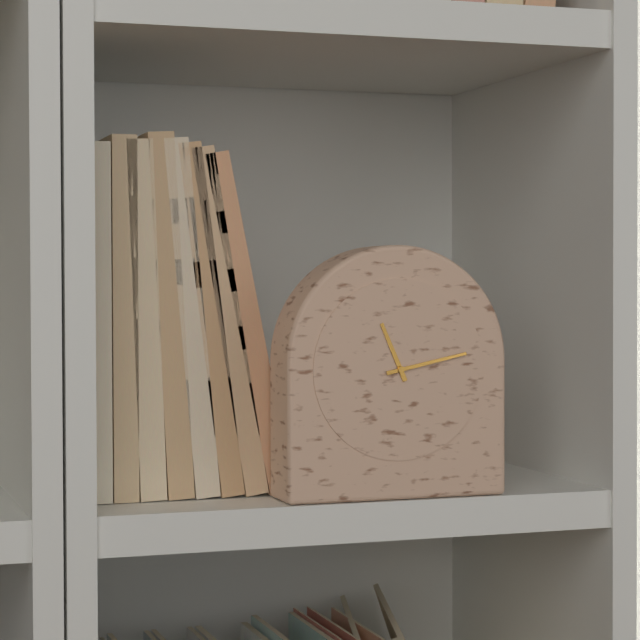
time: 11:13
